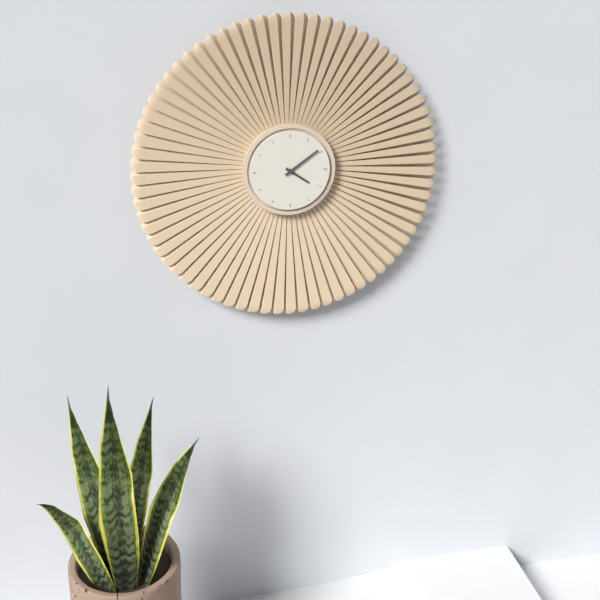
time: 4:09
